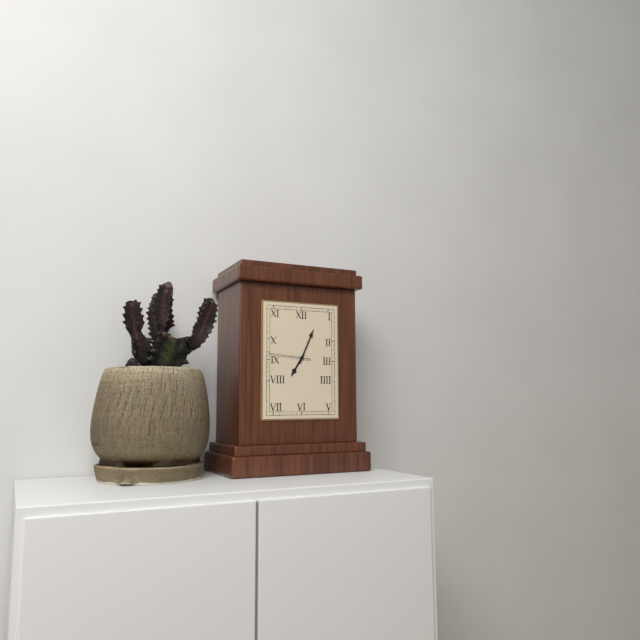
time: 7:04
